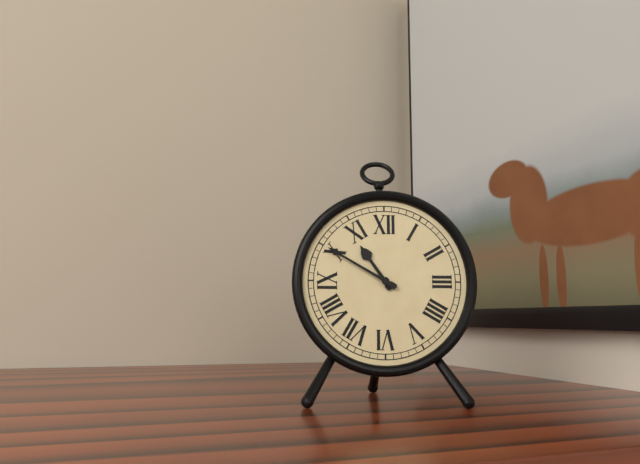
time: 10:50
